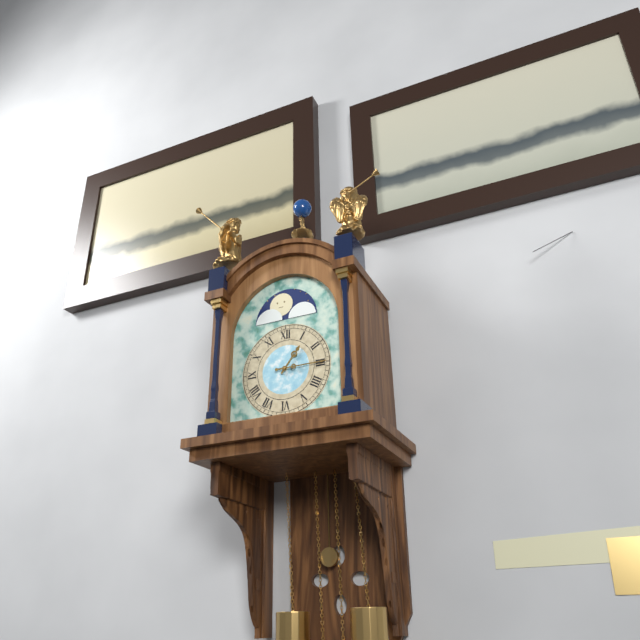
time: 1:15
